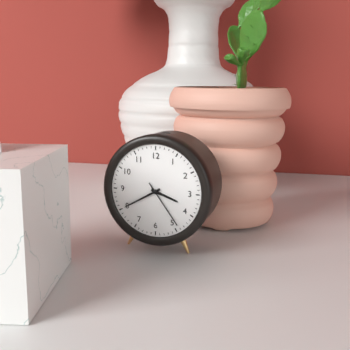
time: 3:40:24
